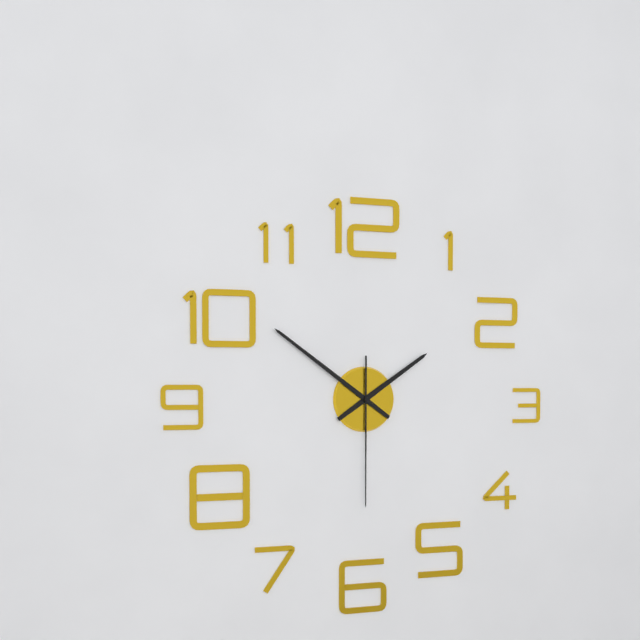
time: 1:51:30
